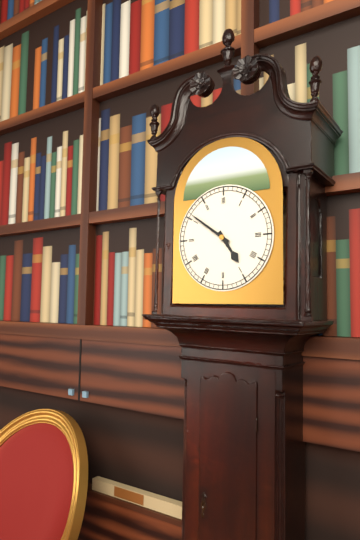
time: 4:51
